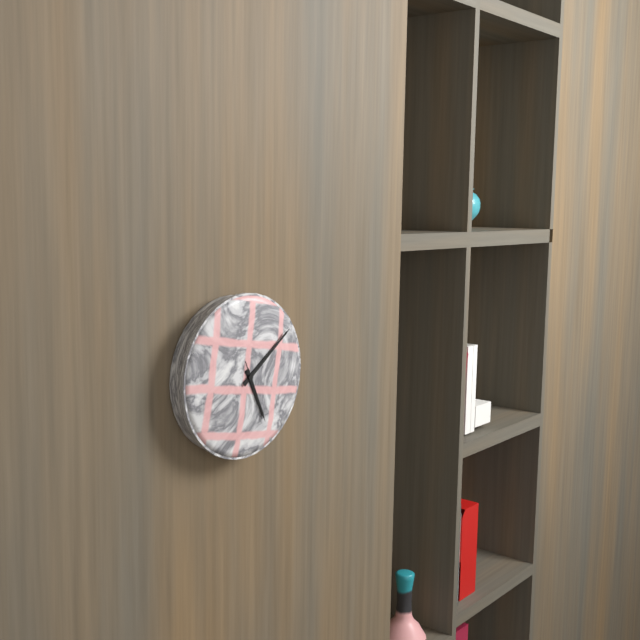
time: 5:09:26
